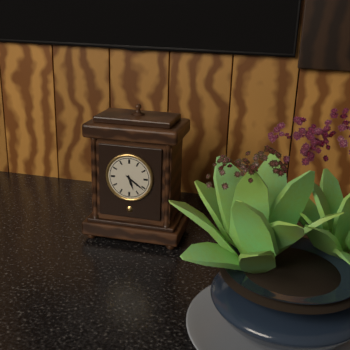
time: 5:21
